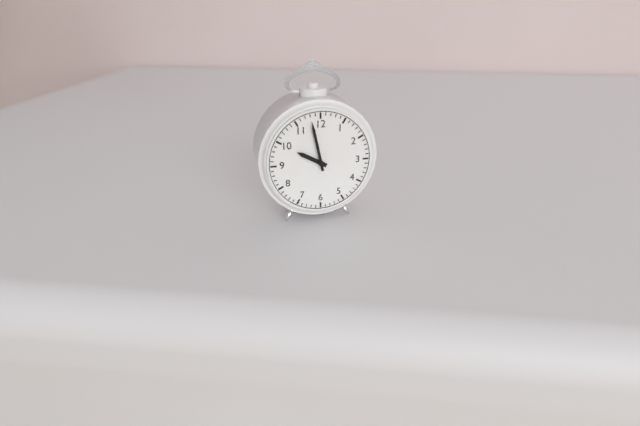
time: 9:58
